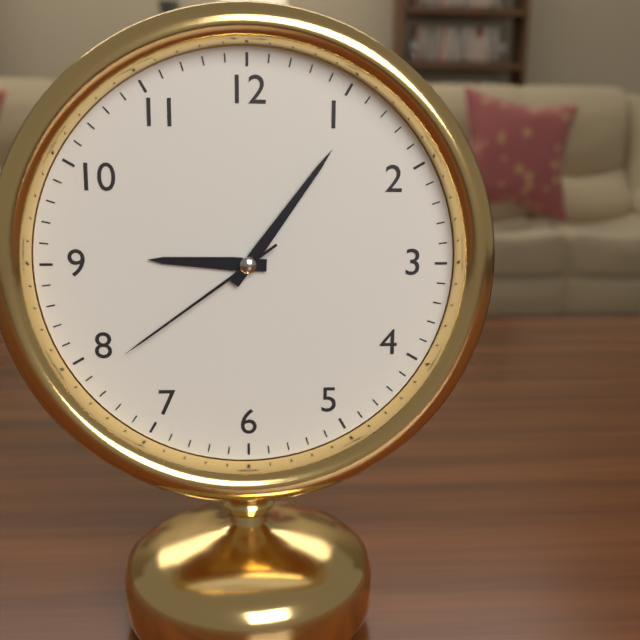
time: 9:06:39
